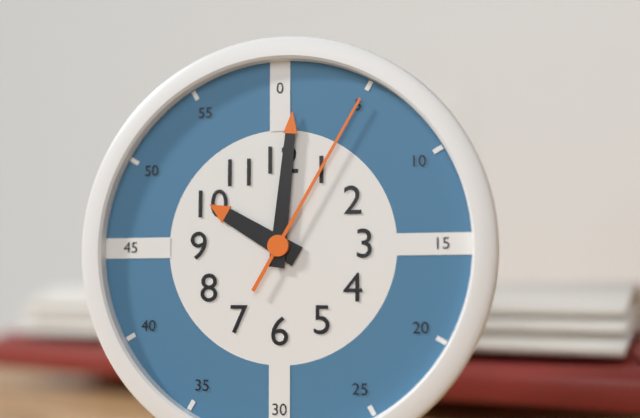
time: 10:01:05
